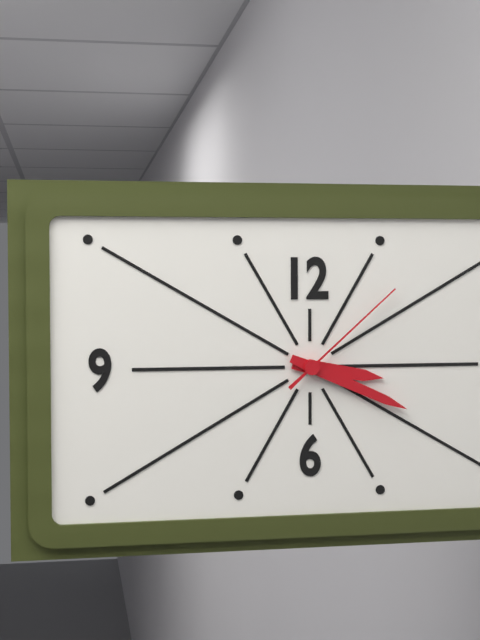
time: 3:19:08
